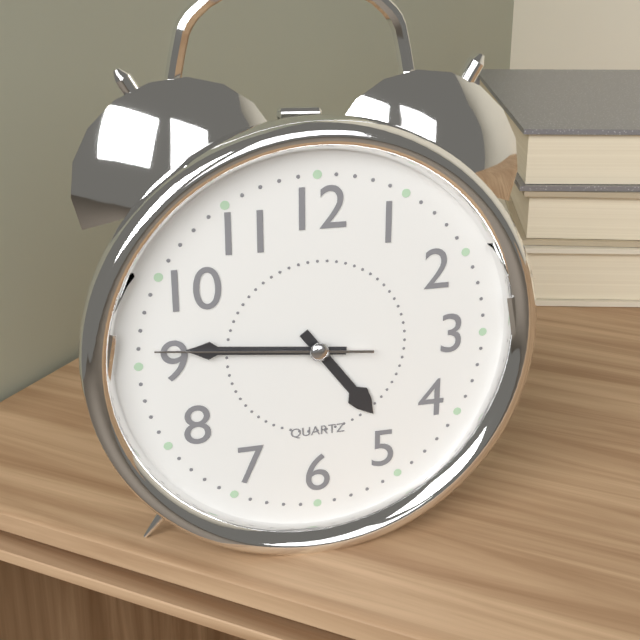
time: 4:46:46
